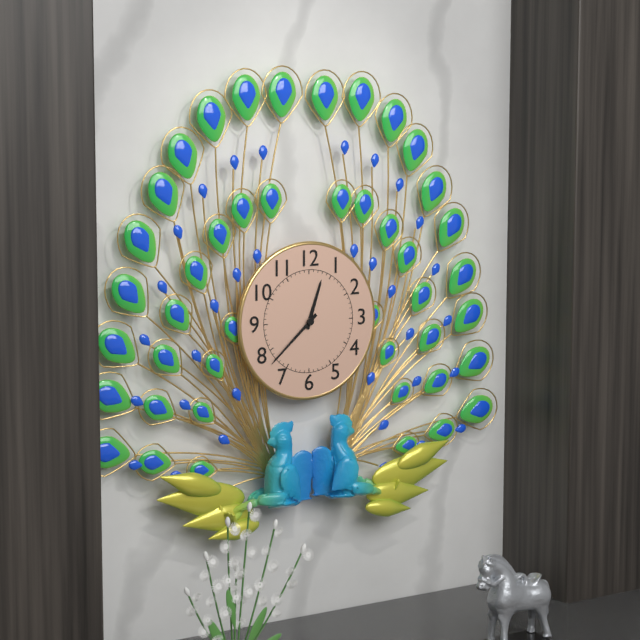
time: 12:38
